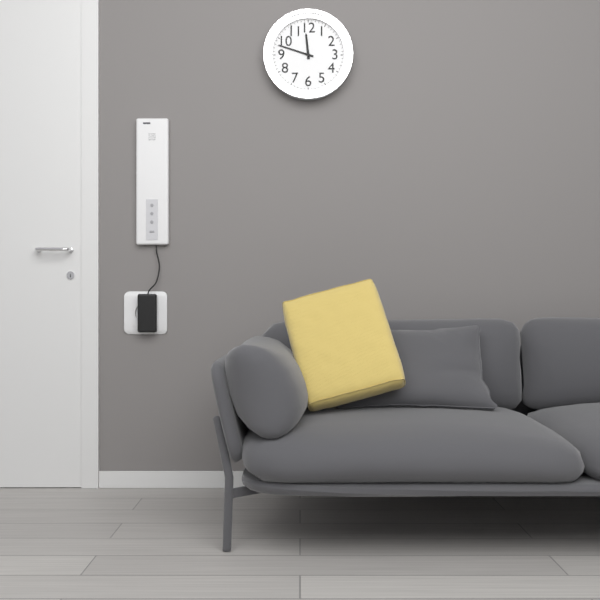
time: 11:48
